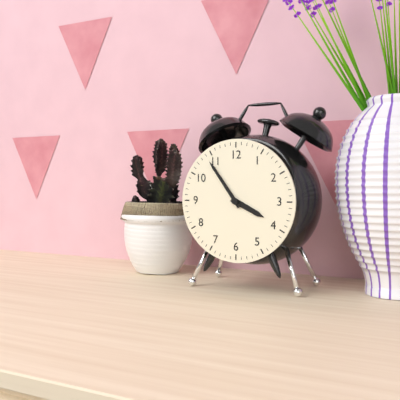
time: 3:54
